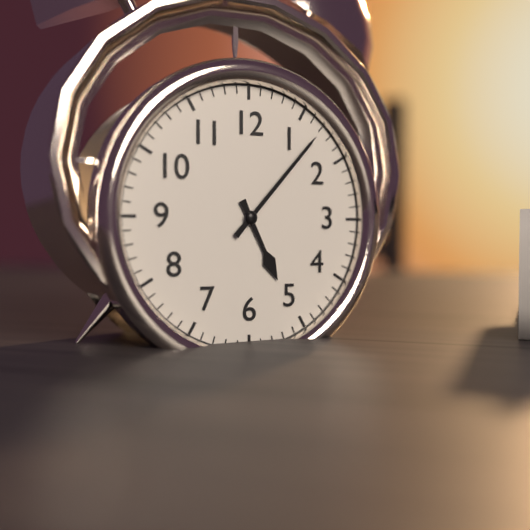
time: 5:07
